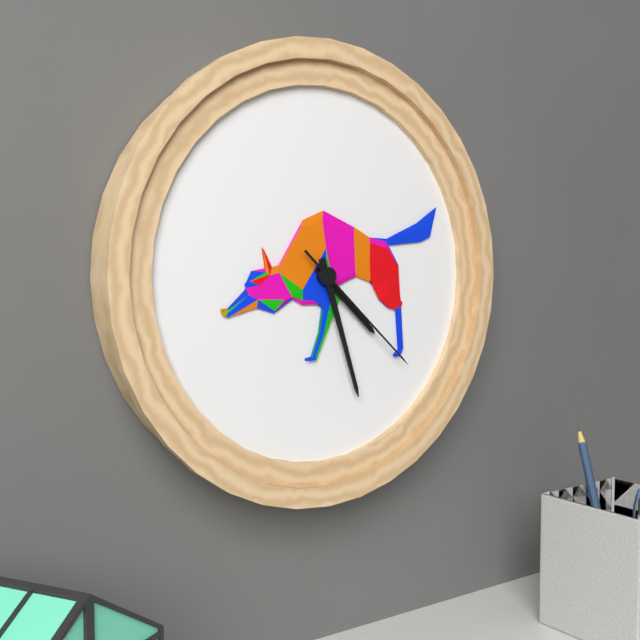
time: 4:27:22
